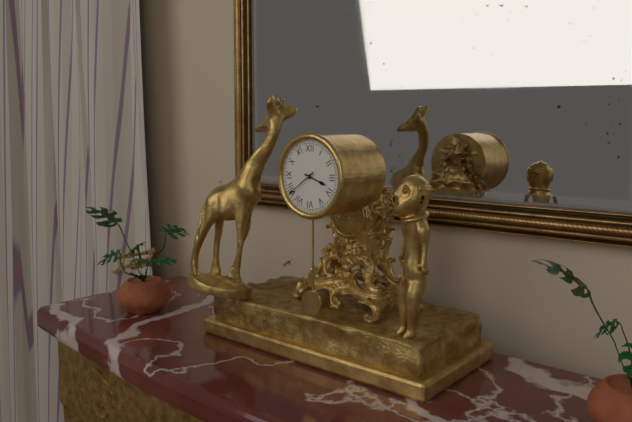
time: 3:39
